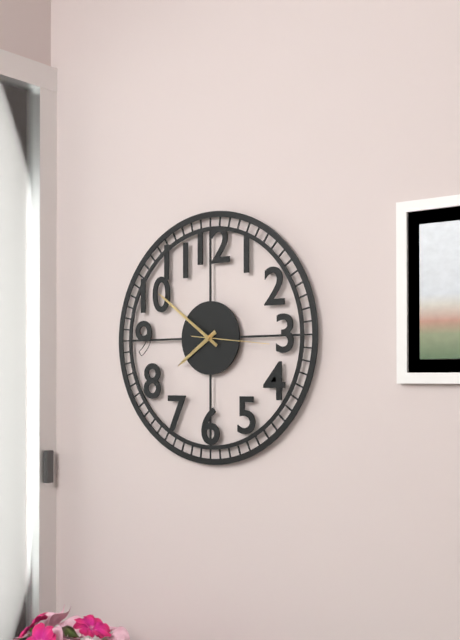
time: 7:51:16
